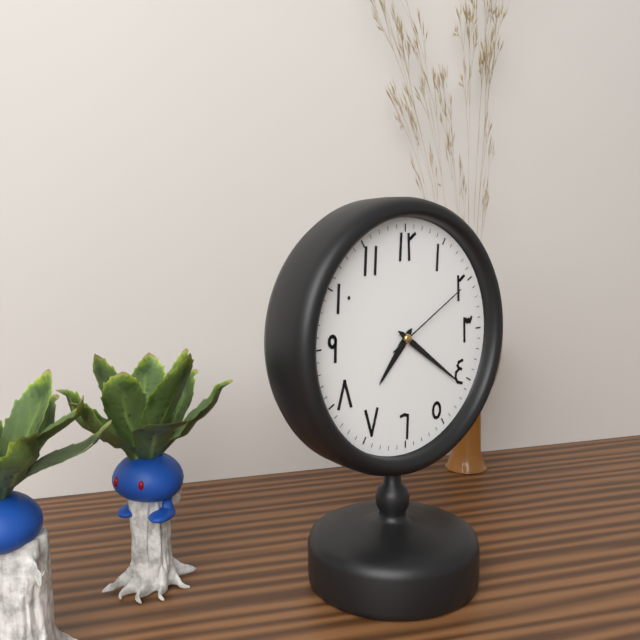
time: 7:21:10
